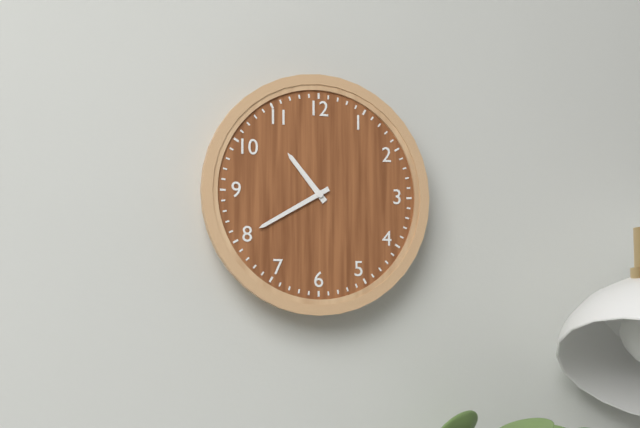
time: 10:40
